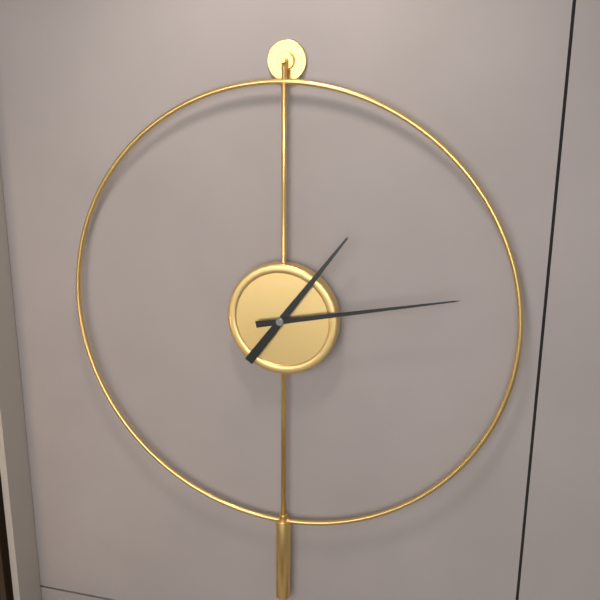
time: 1:13
